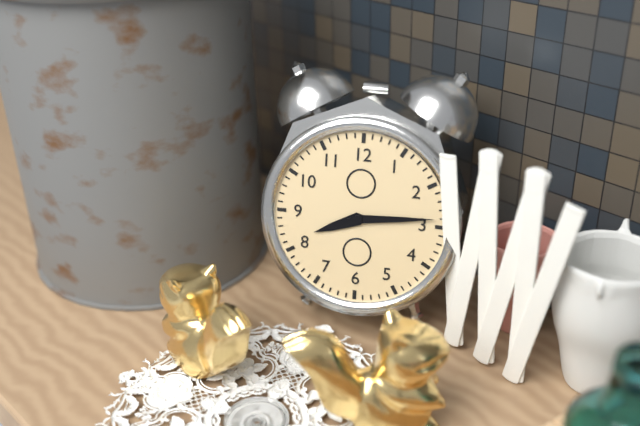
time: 8:14
